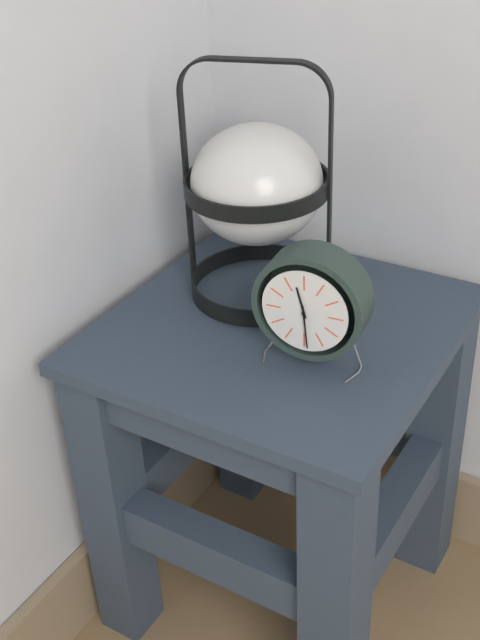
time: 11:29
